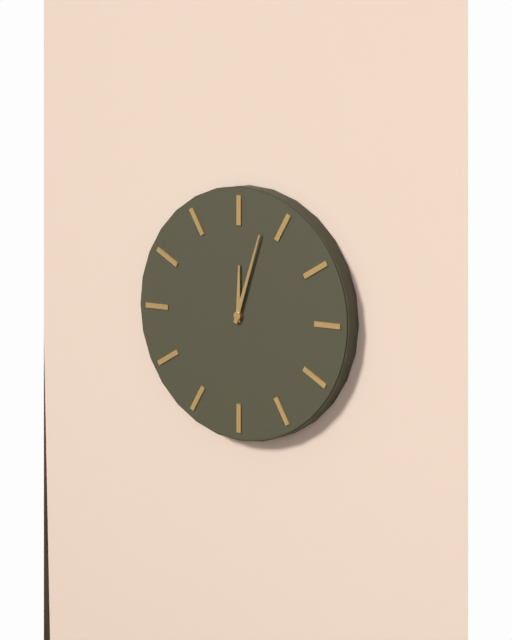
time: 12:03
